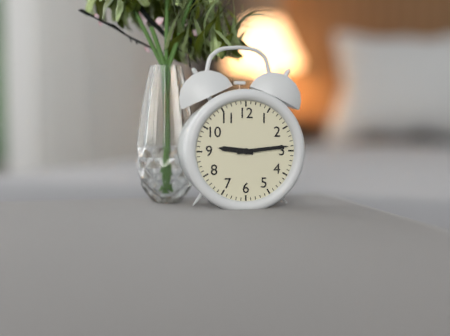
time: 9:14
